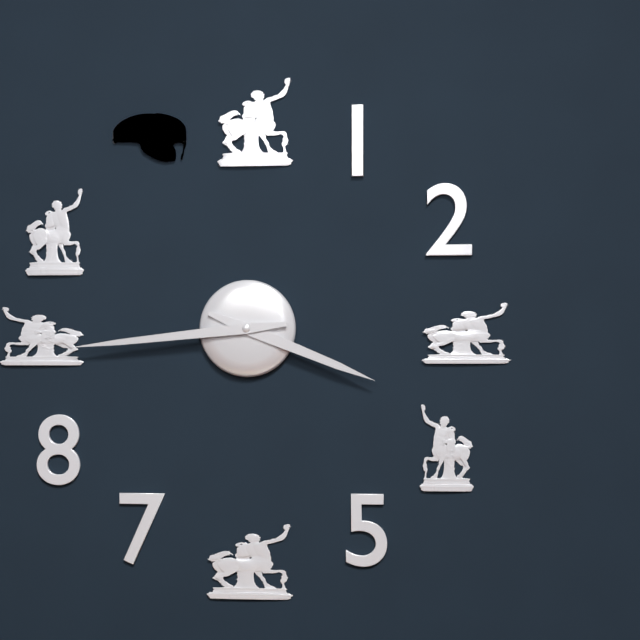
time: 3:44
